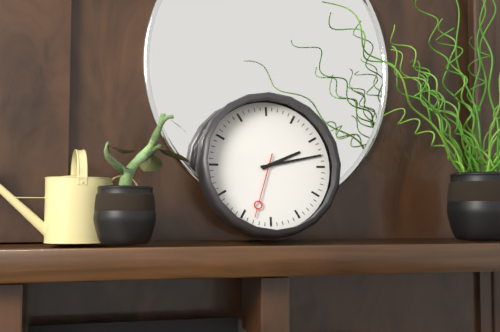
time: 2:13:33
